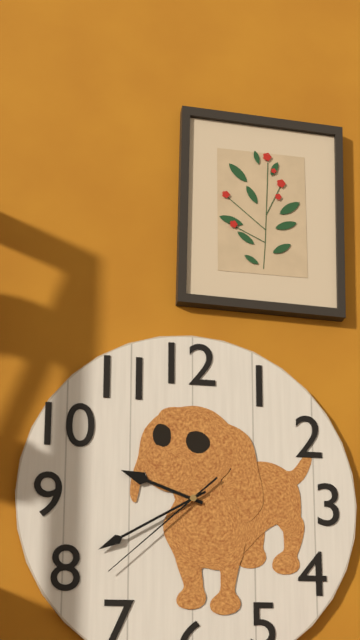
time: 9:40:38
